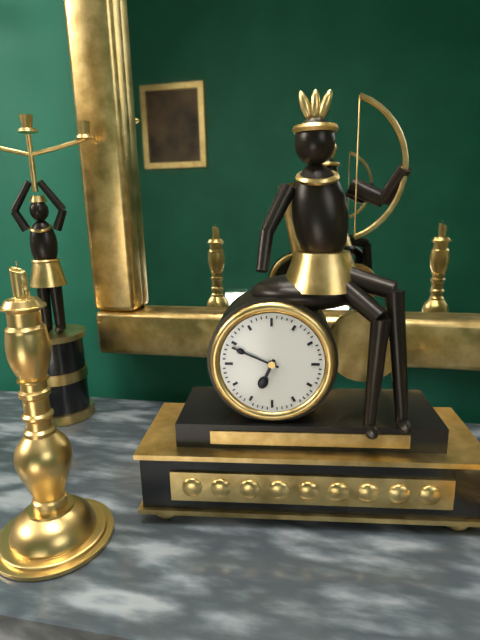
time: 6:49
